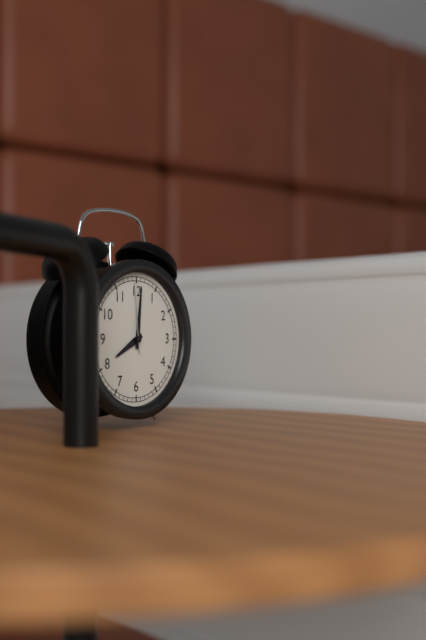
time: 8:01:59
